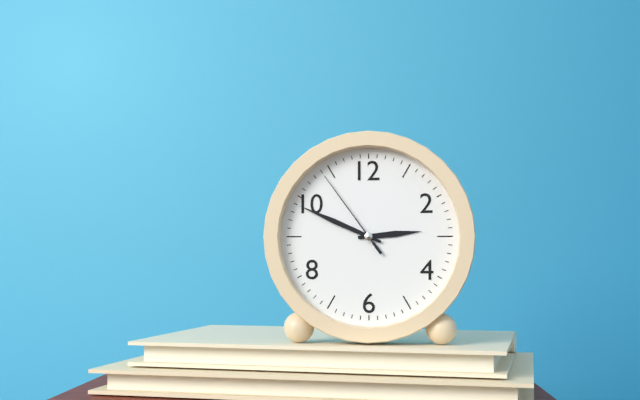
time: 2:49:54
